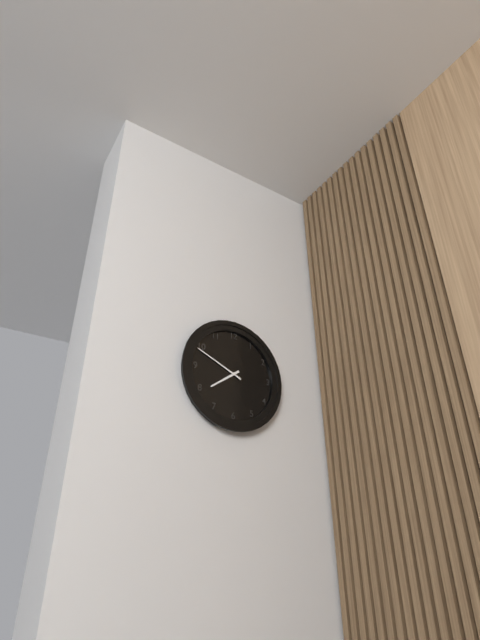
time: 7:49
